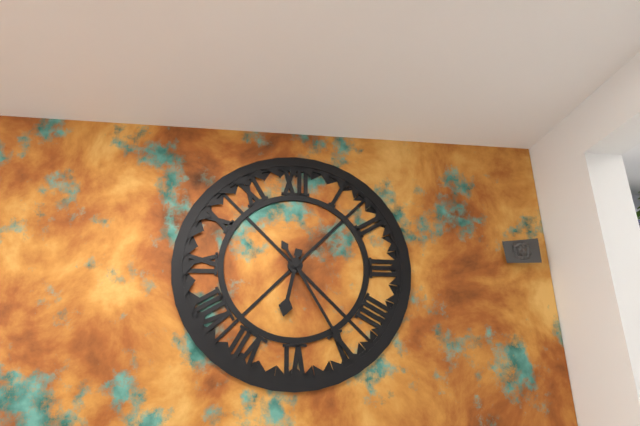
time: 6:25
